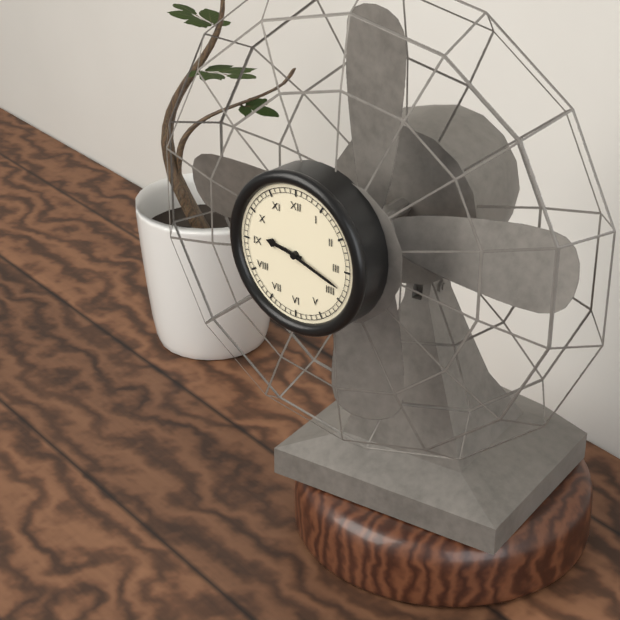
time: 9:18
